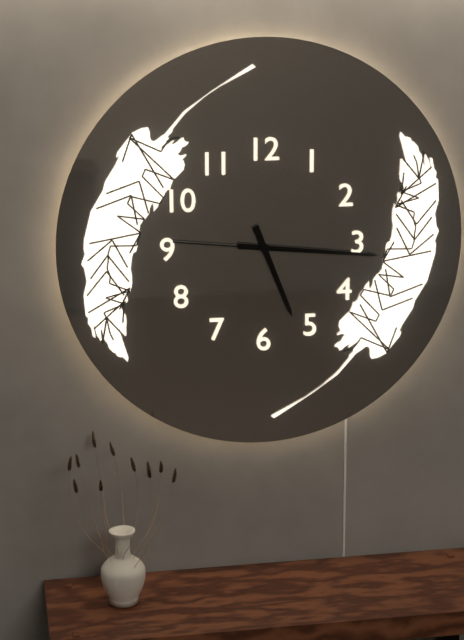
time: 5:16:46
